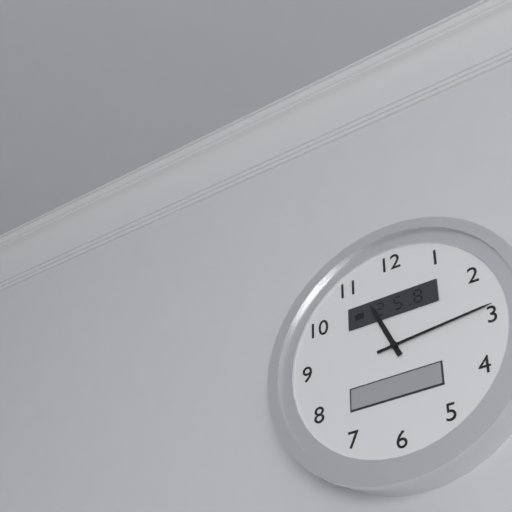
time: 11:14
